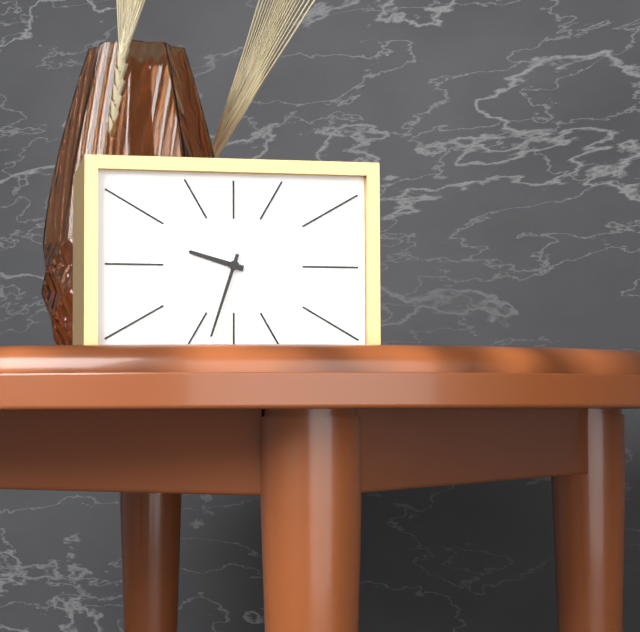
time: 9:33
